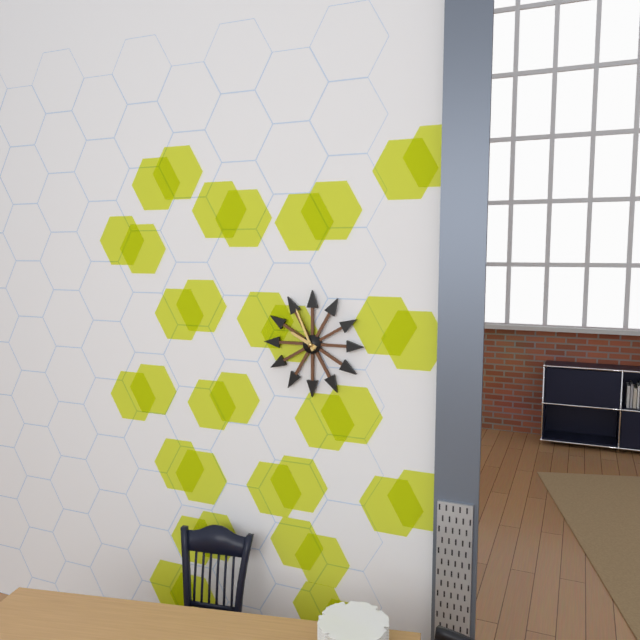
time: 9:56
